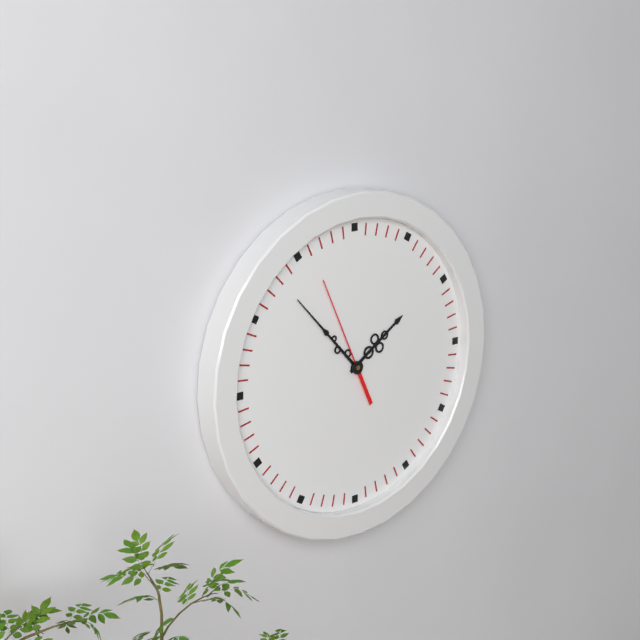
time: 1:53:56
